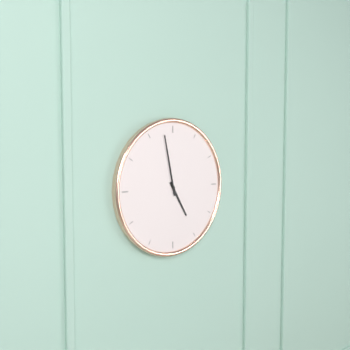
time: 4:58
